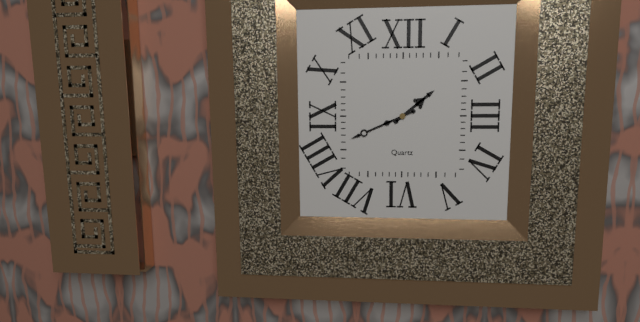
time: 1:41
